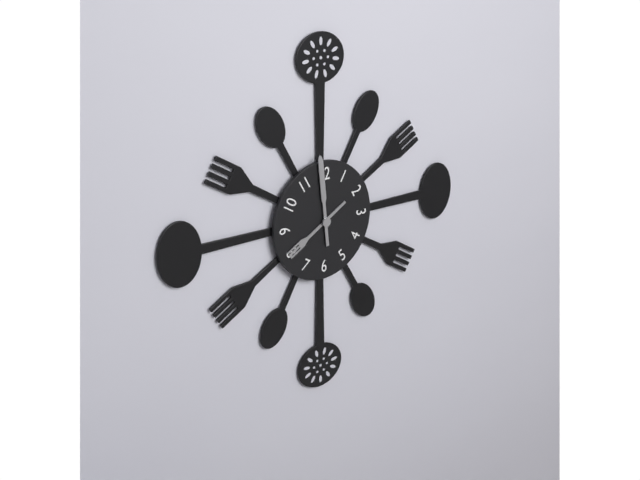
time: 7:59
